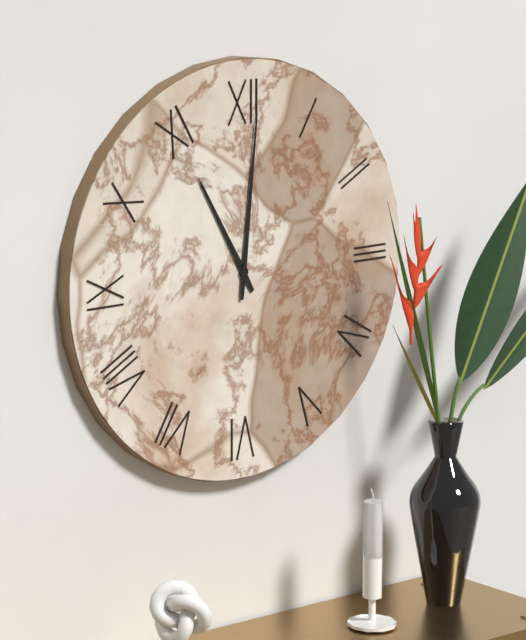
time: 11:01
